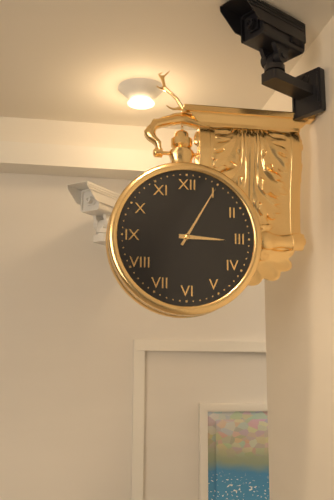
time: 3:05
